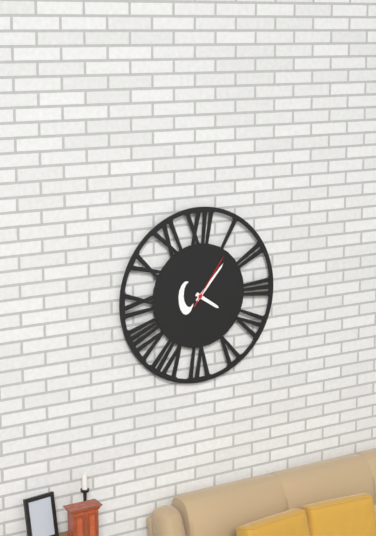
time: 4:07:06
